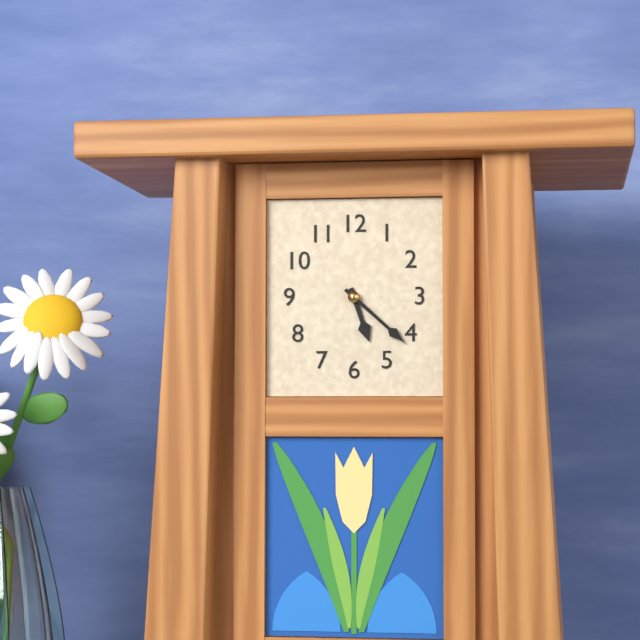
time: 5:22
